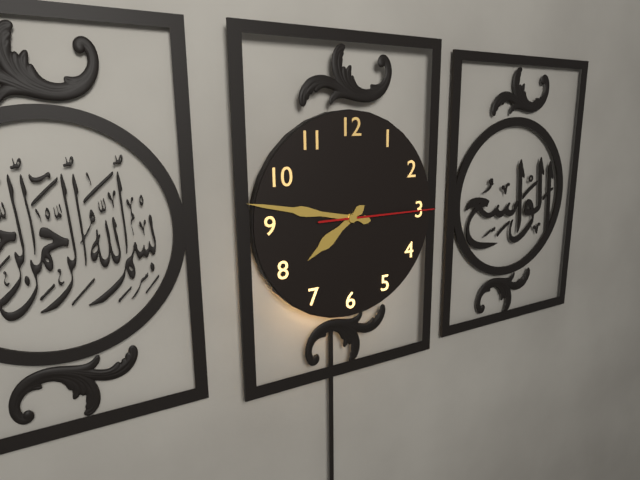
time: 7:47:15
